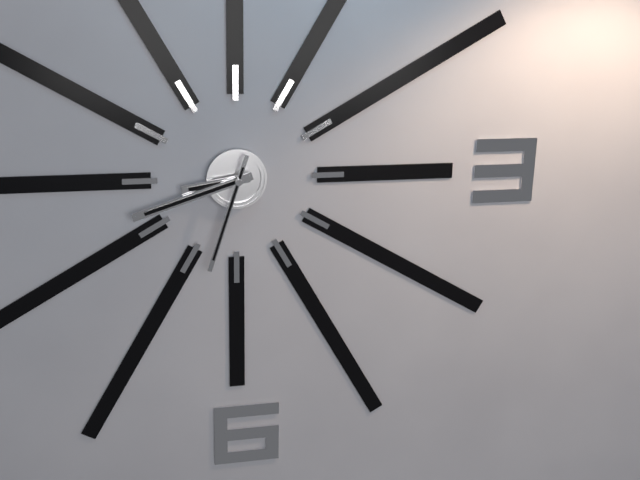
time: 8:42:33
